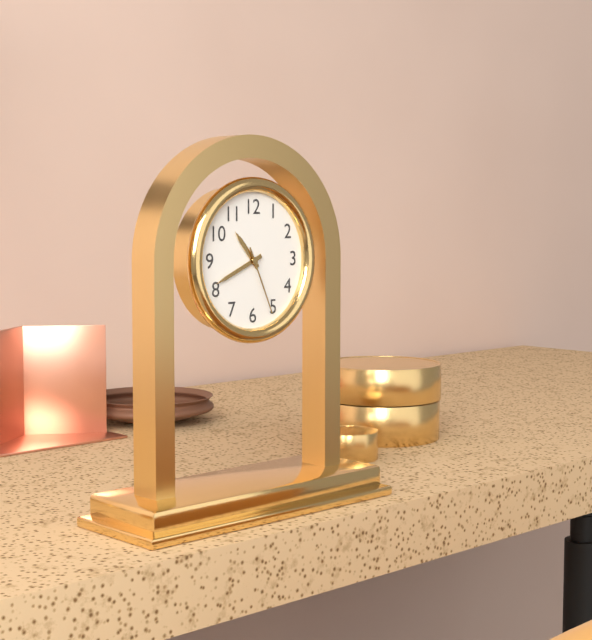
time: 10:41:26
